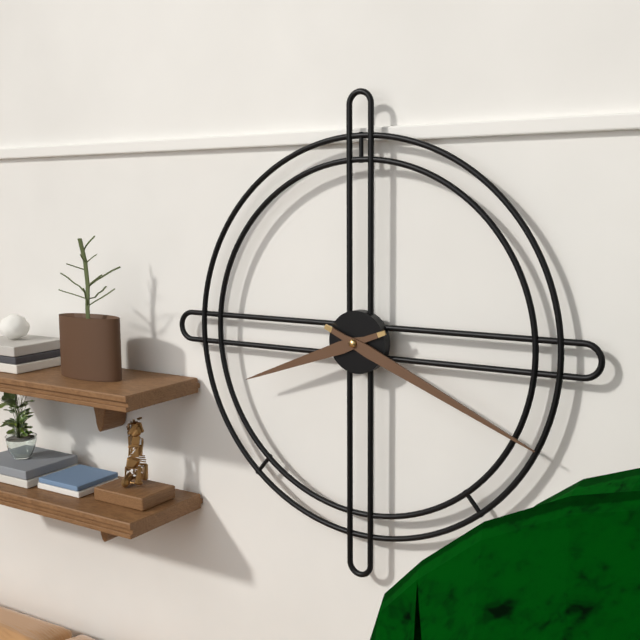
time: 8:19
